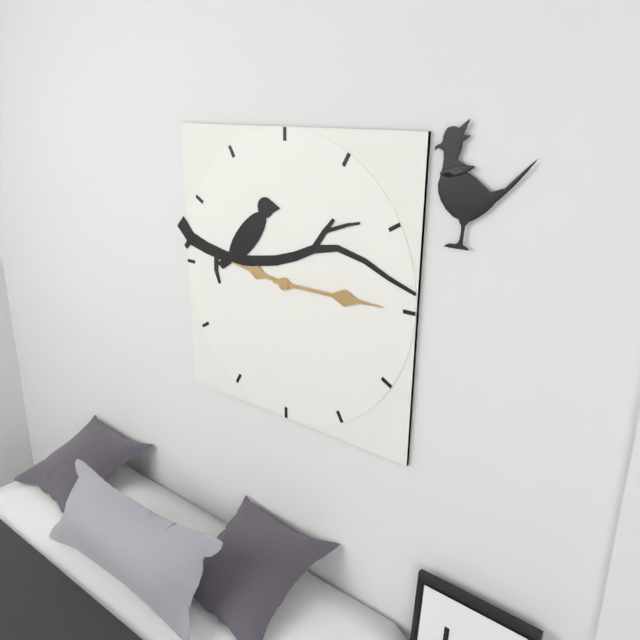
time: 9:15
